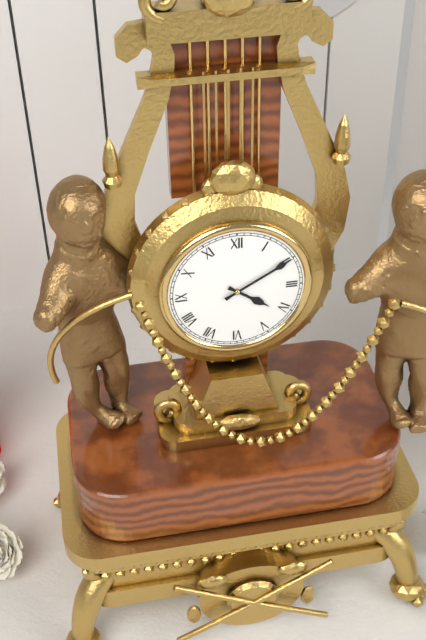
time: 4:10
